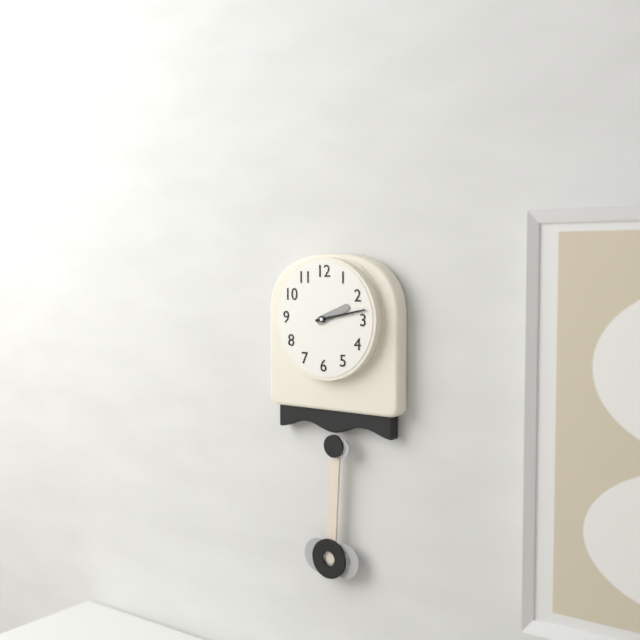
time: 2:13
